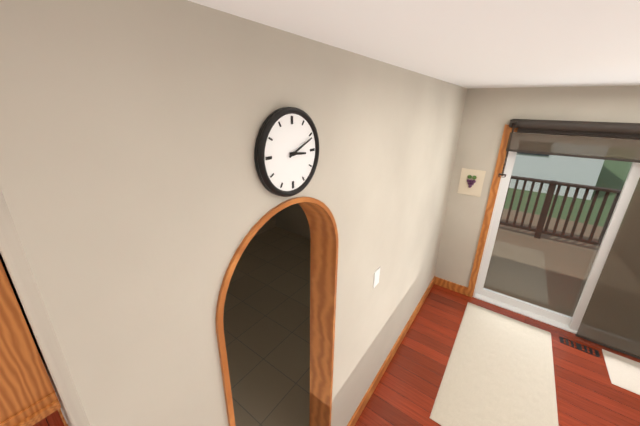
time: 3:11
